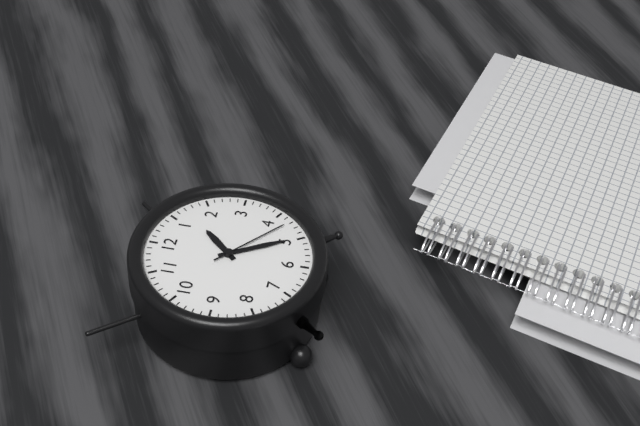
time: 1:25:22
